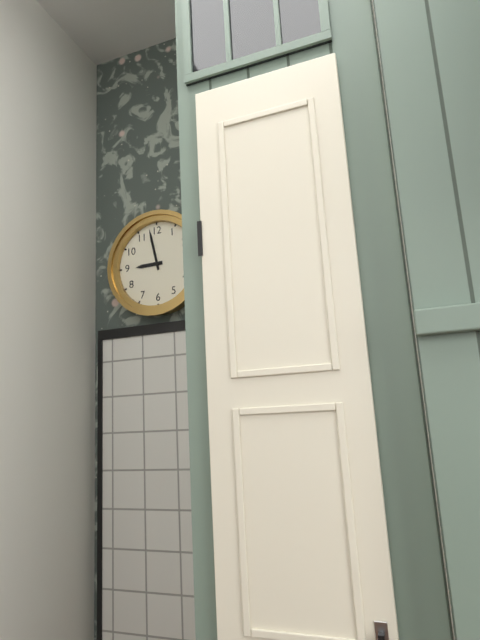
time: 8:58
